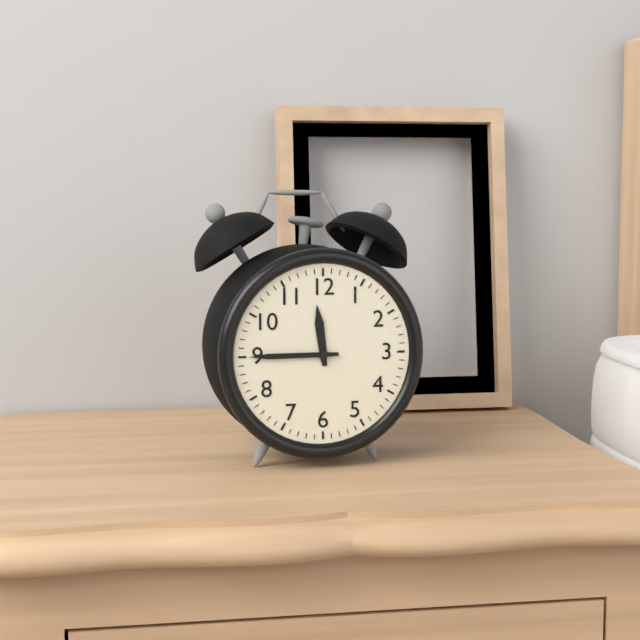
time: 11:45
